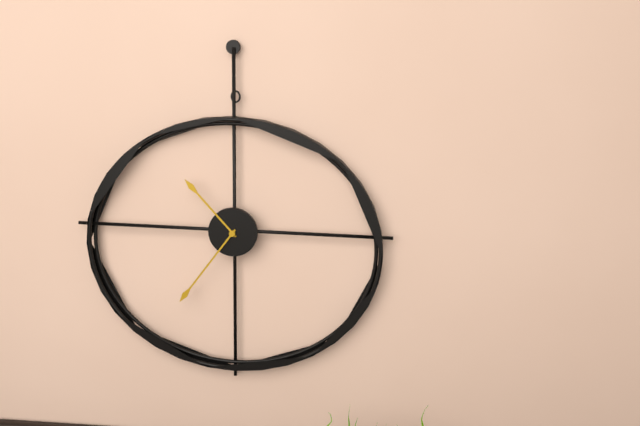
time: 10:36
